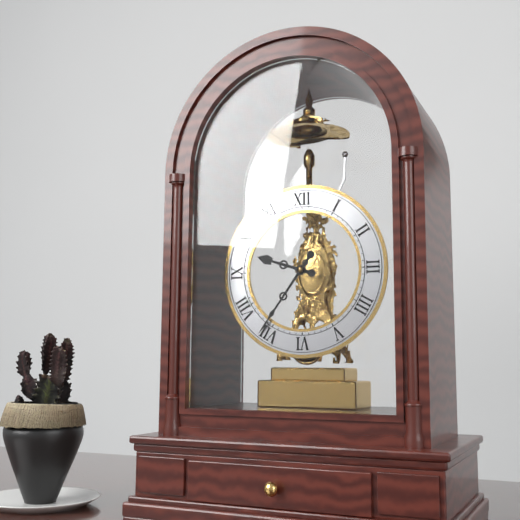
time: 9:36
